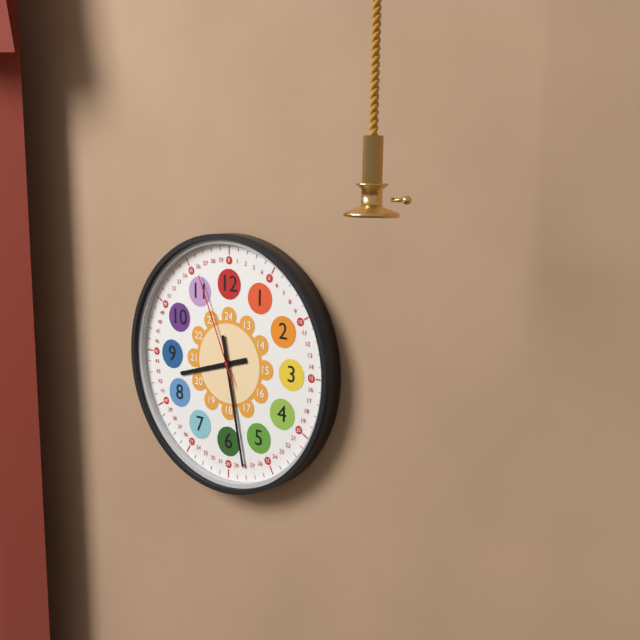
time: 8:28:56
